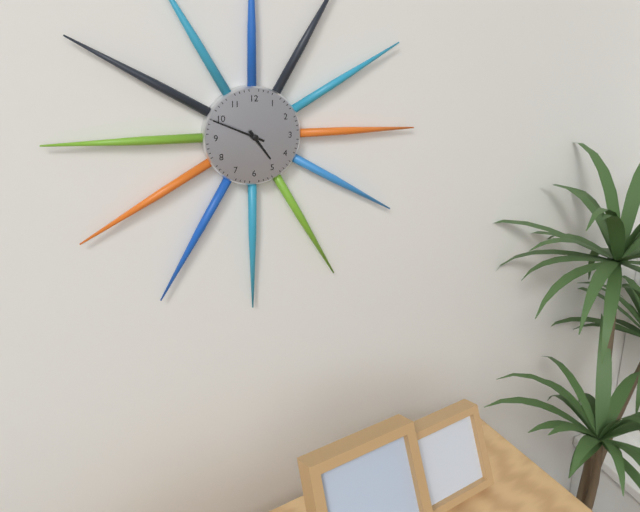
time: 4:49
